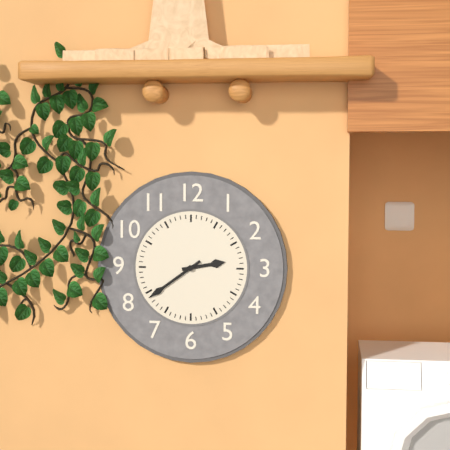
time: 2:39
